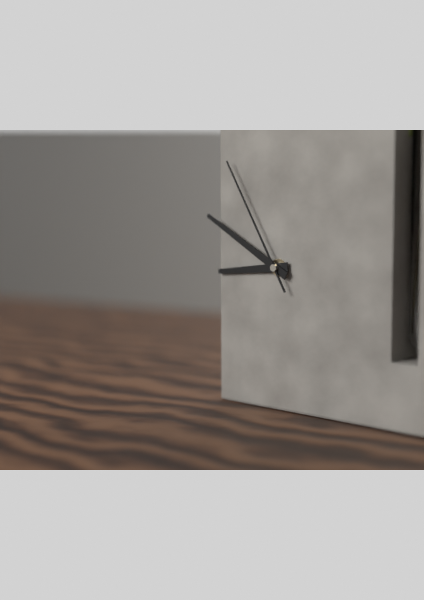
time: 8:50:55
